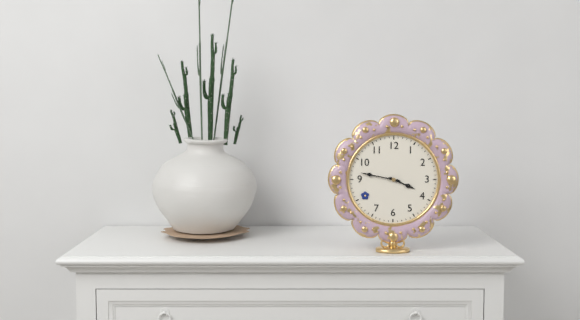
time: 3:47
